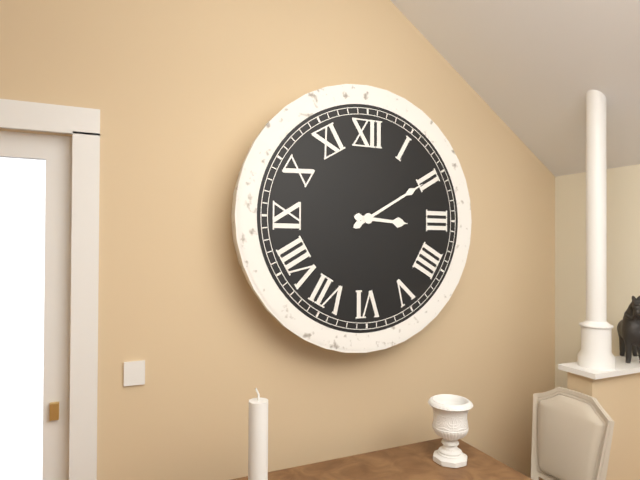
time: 3:10
